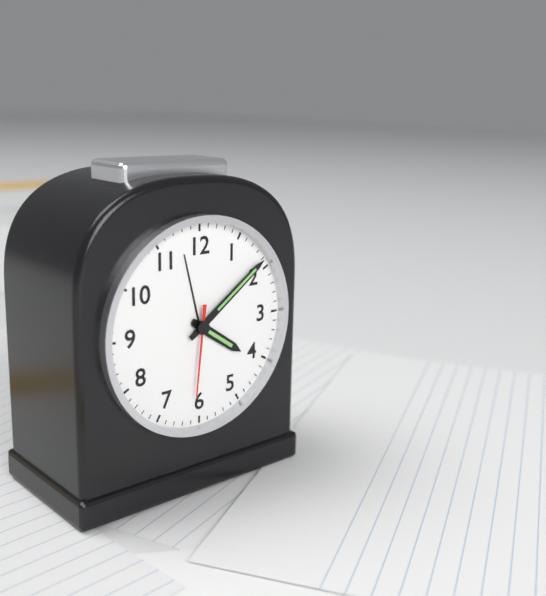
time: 4:09:31
